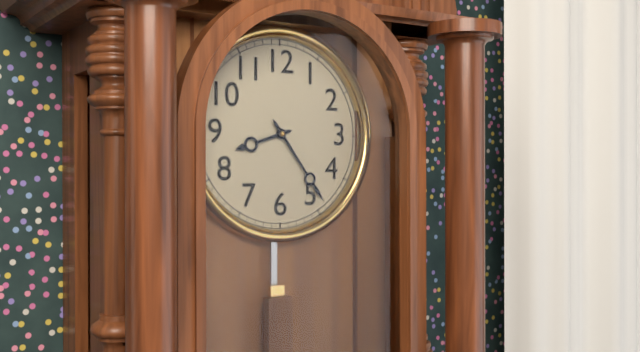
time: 8:24
